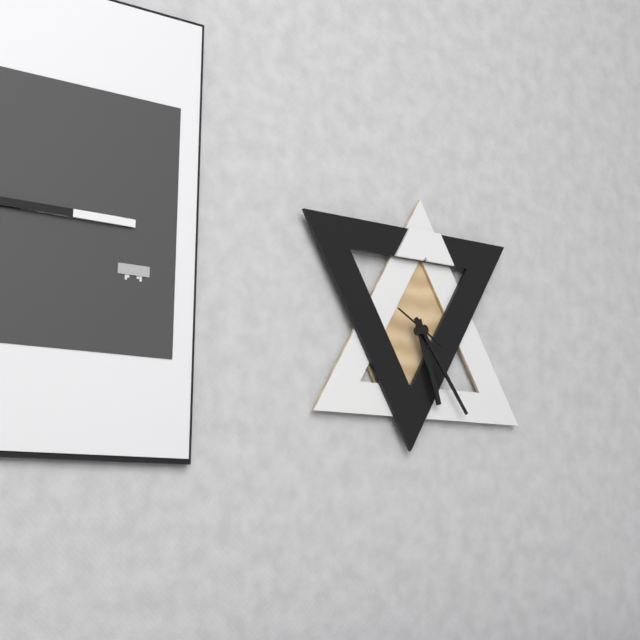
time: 5:24
